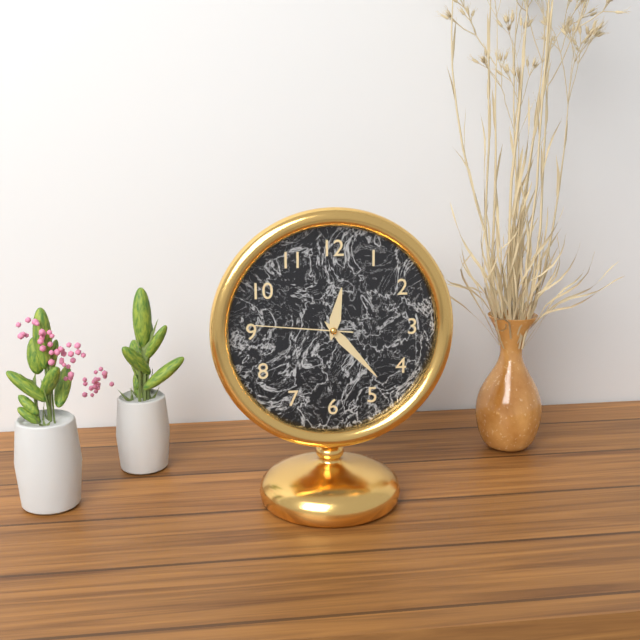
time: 12:23:46
